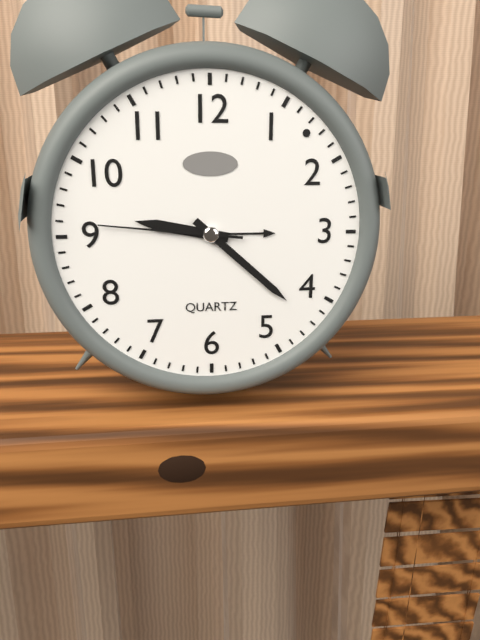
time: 9:22:46
